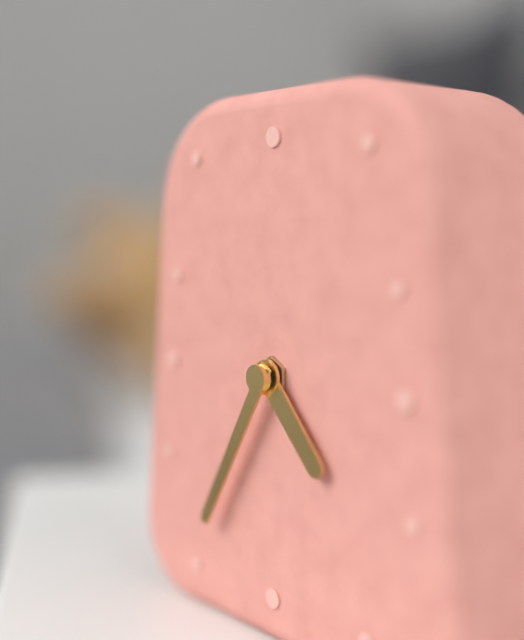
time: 4:35
